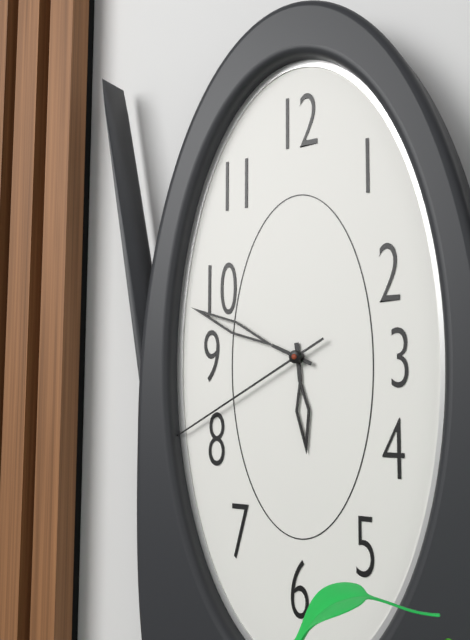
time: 5:49:40
